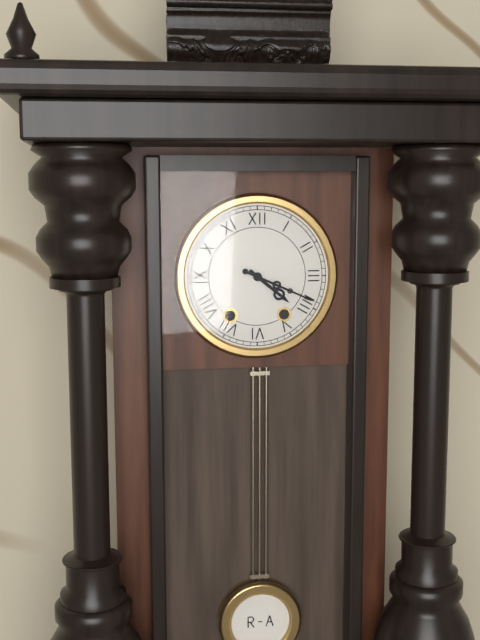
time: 4:19
